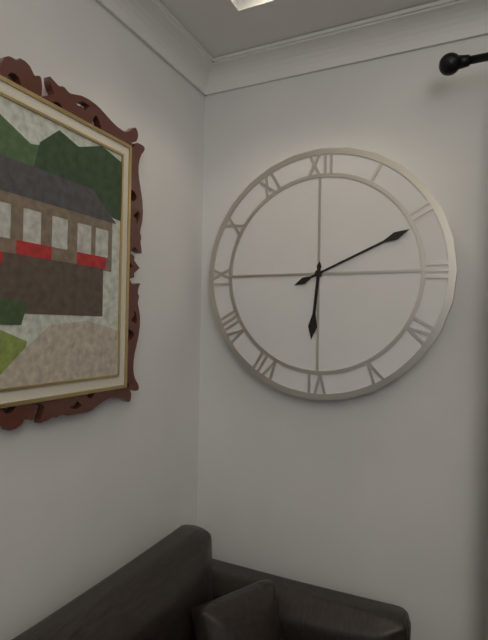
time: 6:11
